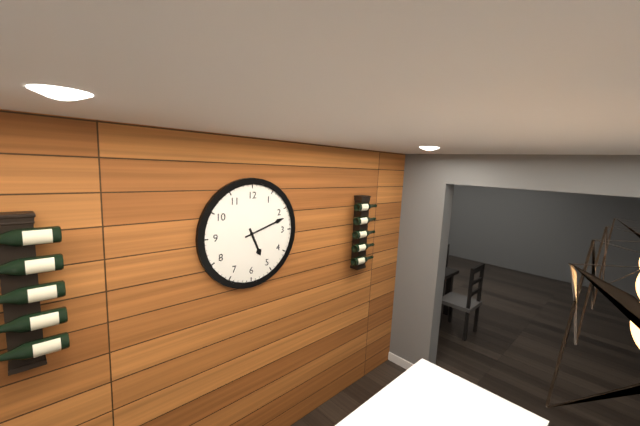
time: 5:12
